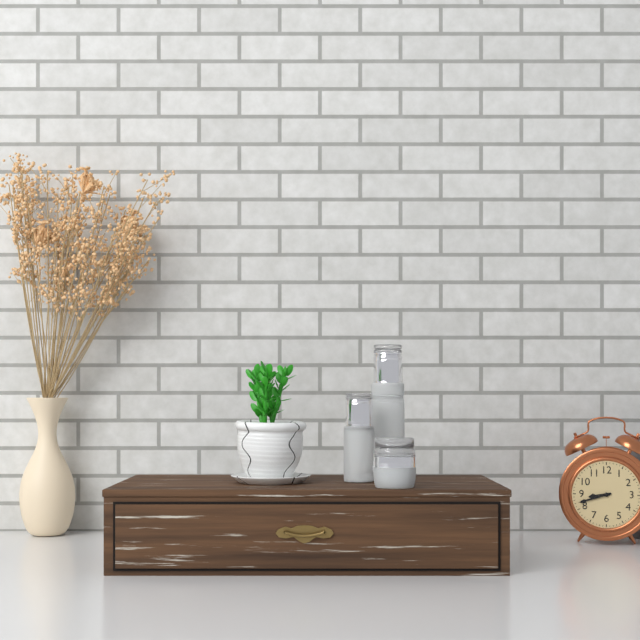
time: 8:42
